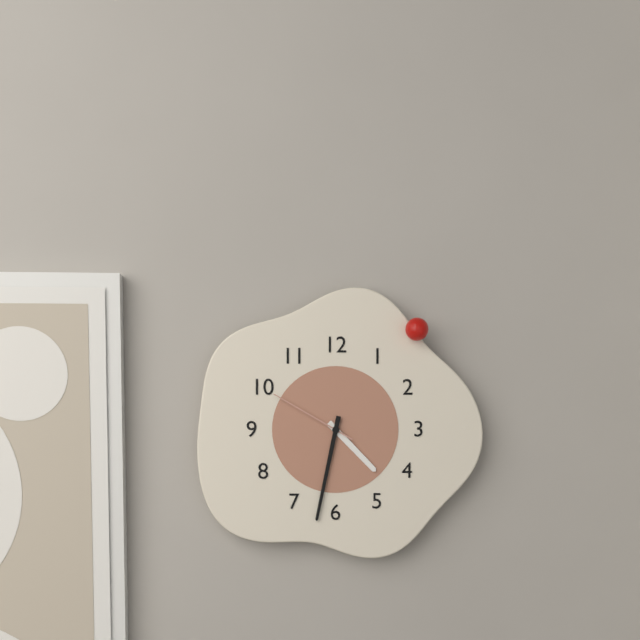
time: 4:32:50
